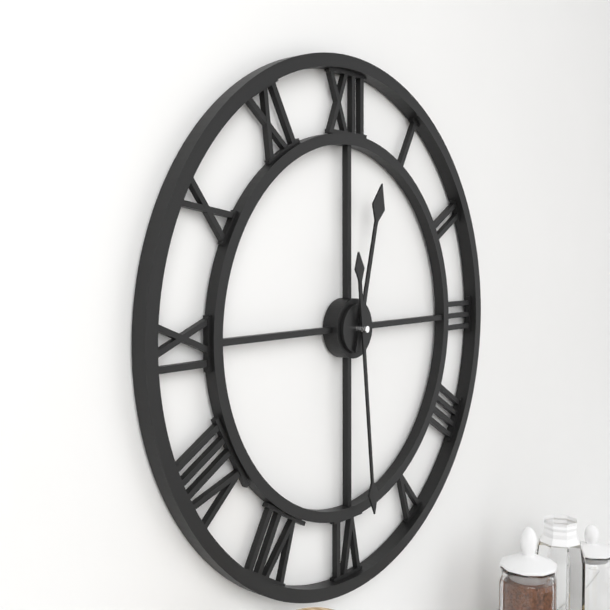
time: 12:29
